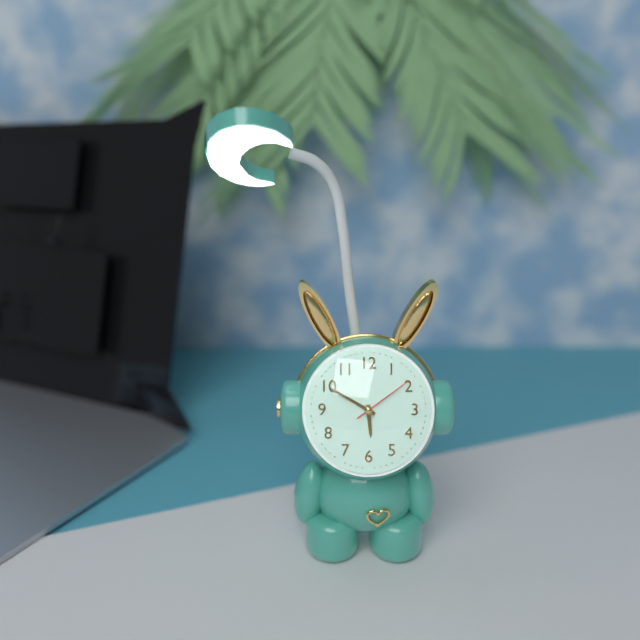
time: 5:50:09
